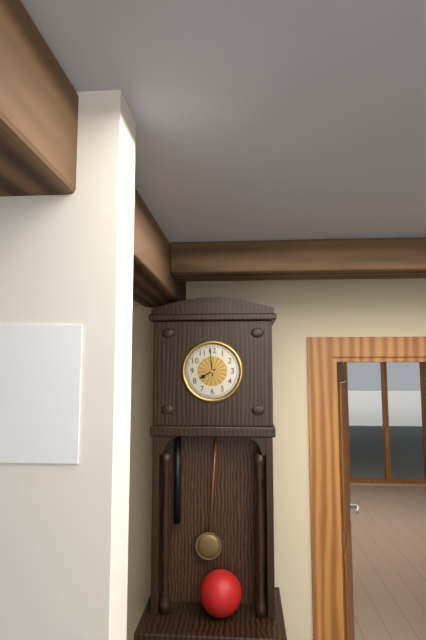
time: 7:59
